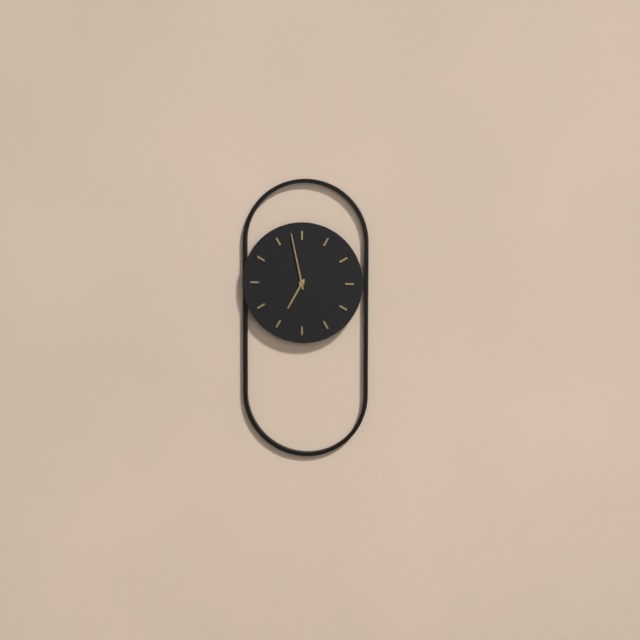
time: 6:58
